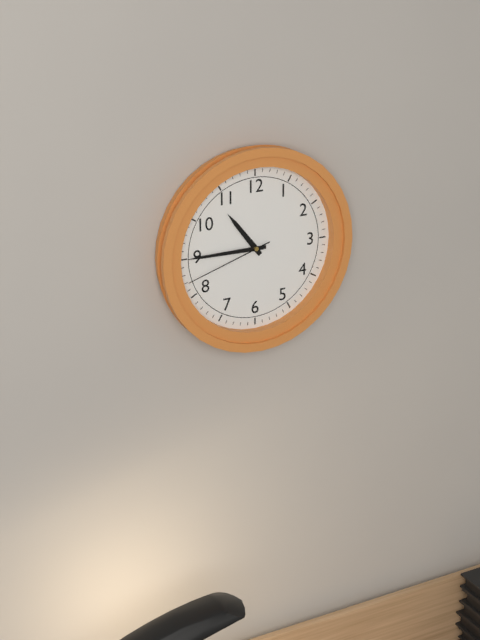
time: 10:45:42
